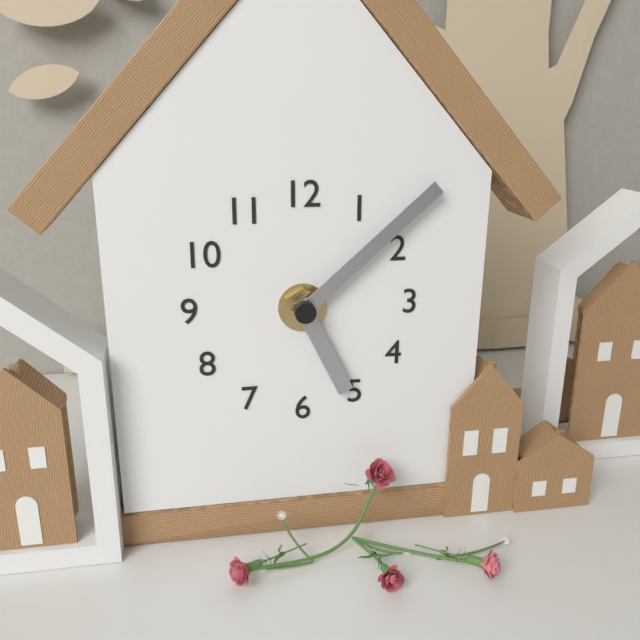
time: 5:08
